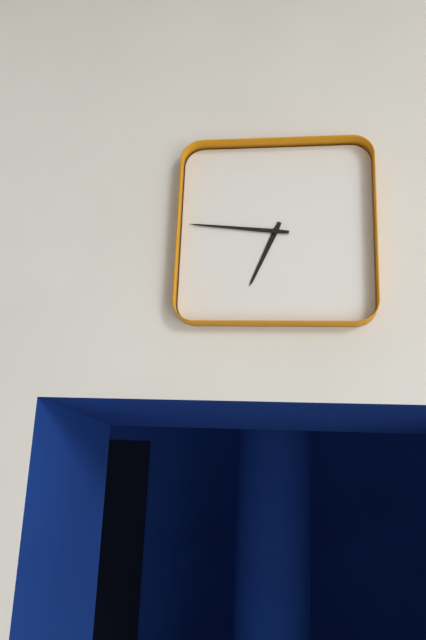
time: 6:46
